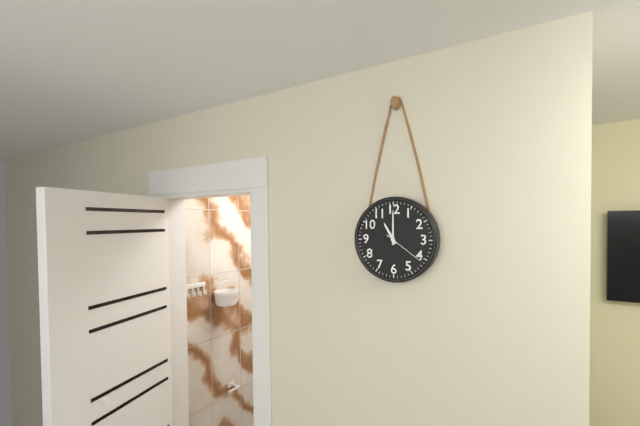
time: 11:00
